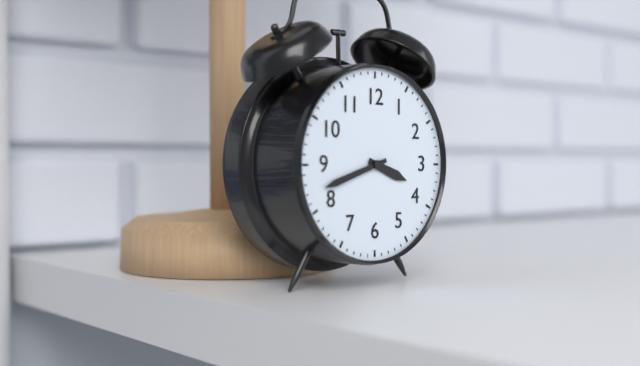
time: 3:42
